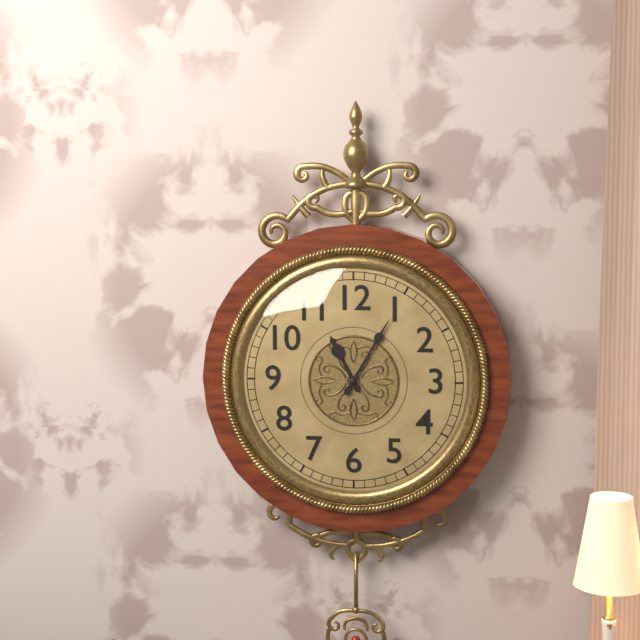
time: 11:05
